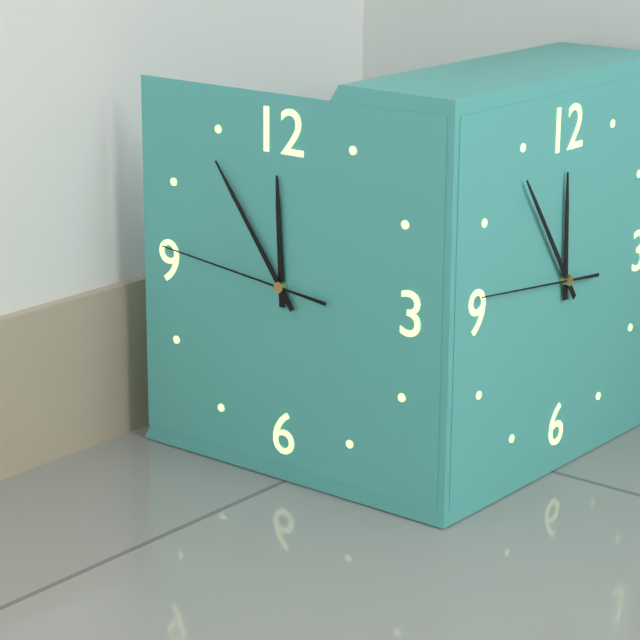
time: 11:54:46
